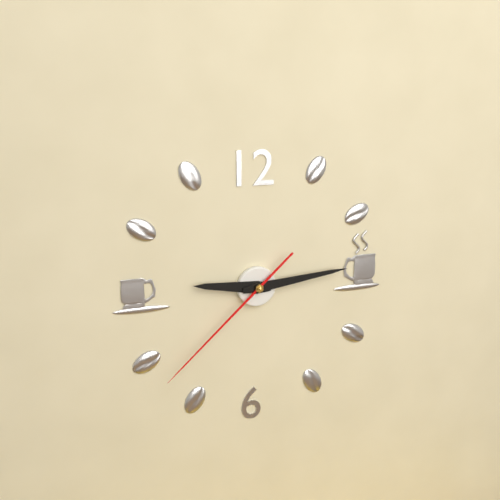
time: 9:14:38
